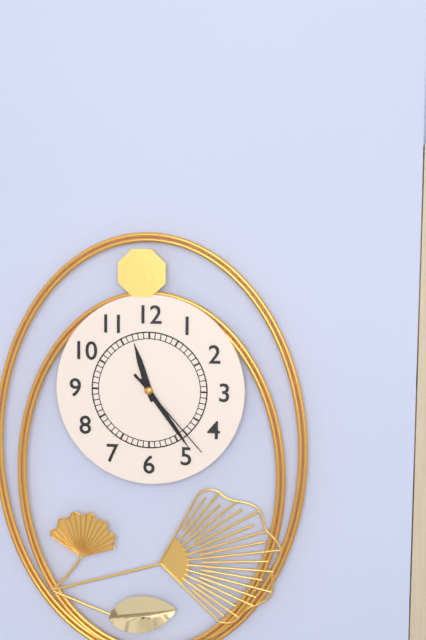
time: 11:24:23
